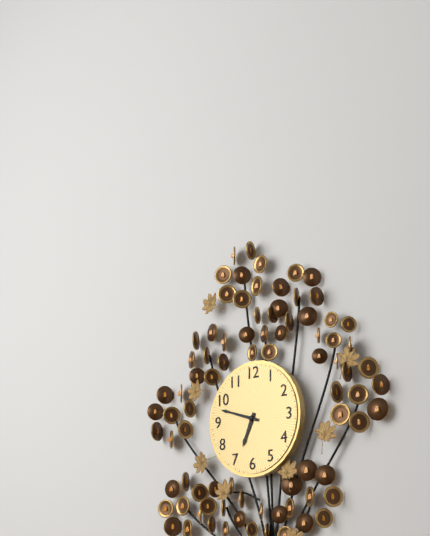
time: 6:48
